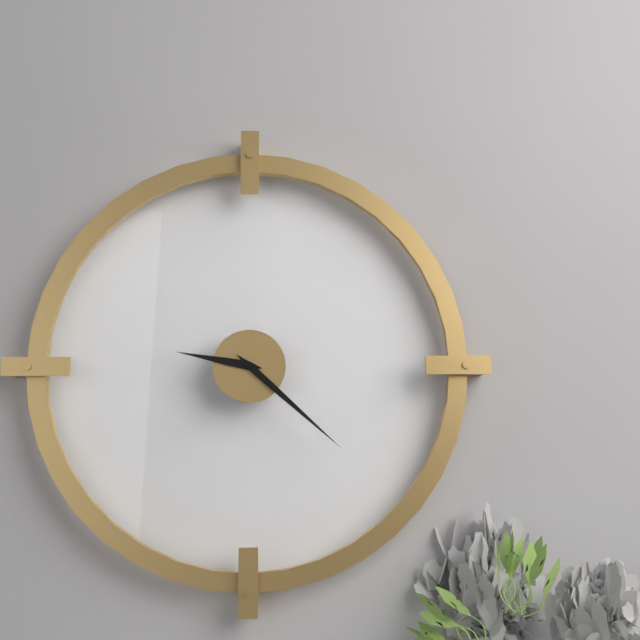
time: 9:22
